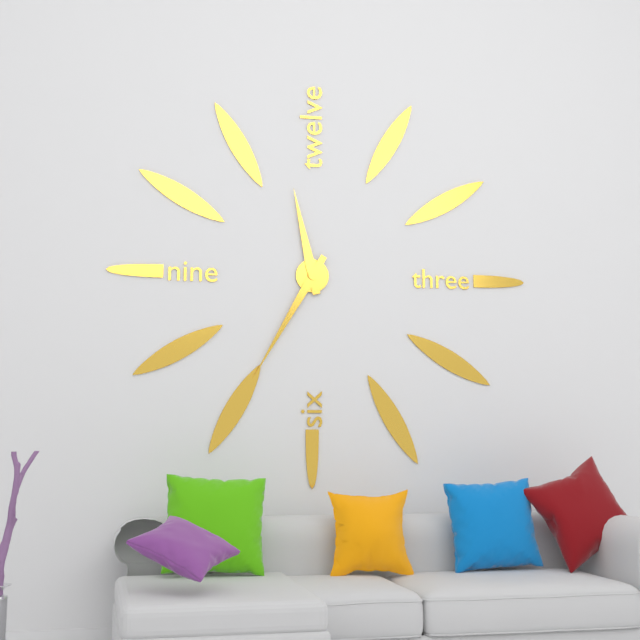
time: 11:35
